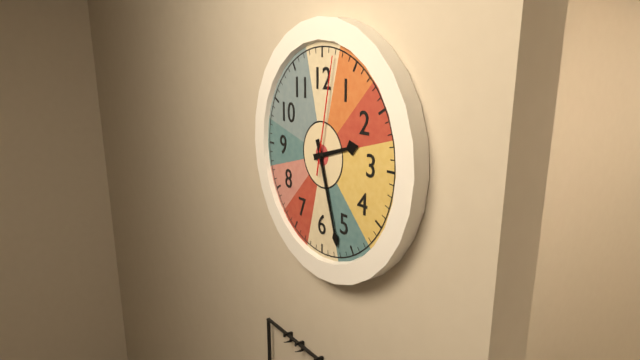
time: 2:27:02
